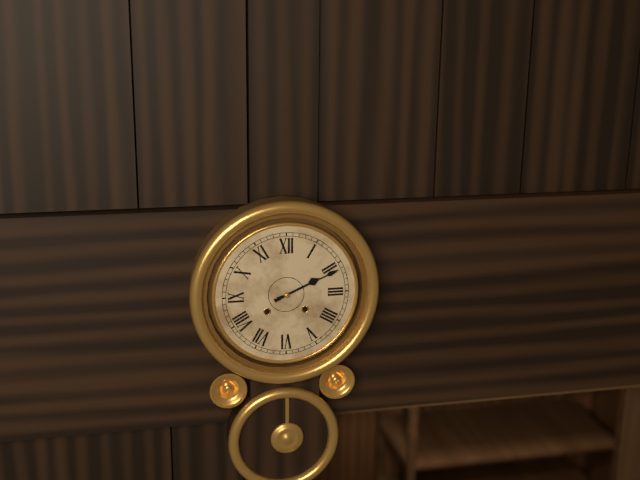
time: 2:11
